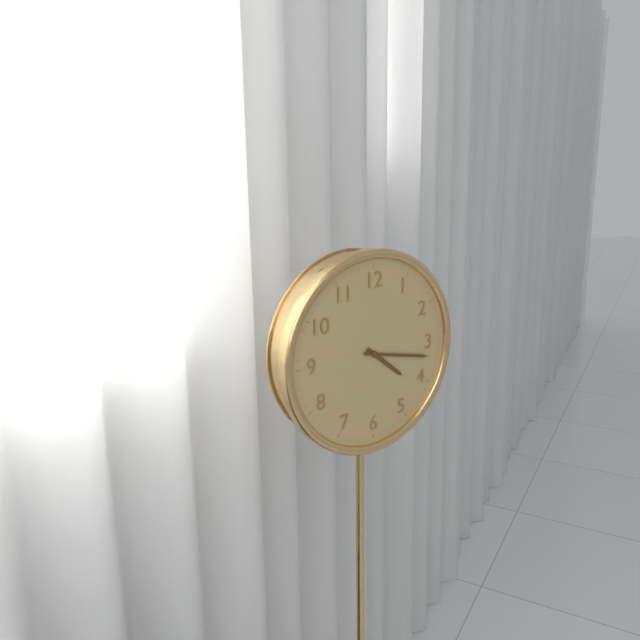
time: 4:17
